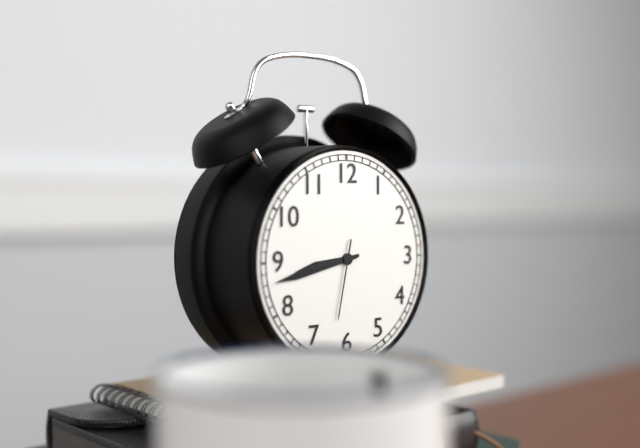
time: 8:43:32
